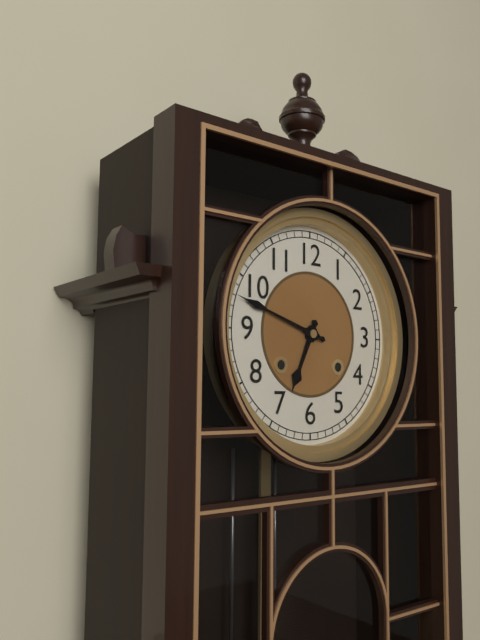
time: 6:48
